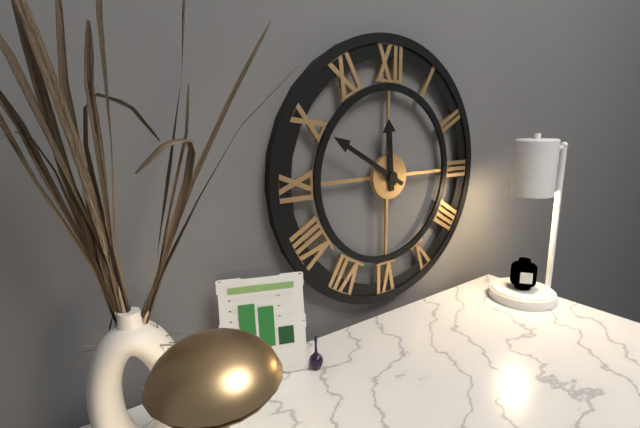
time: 11:50
